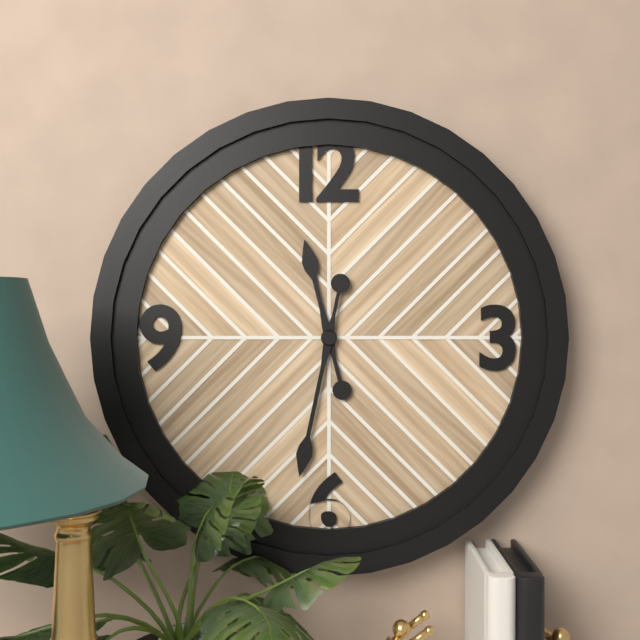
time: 11:32
